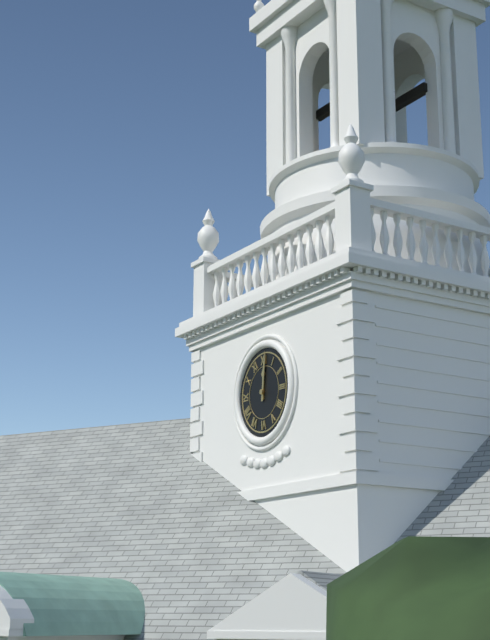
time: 12:01
